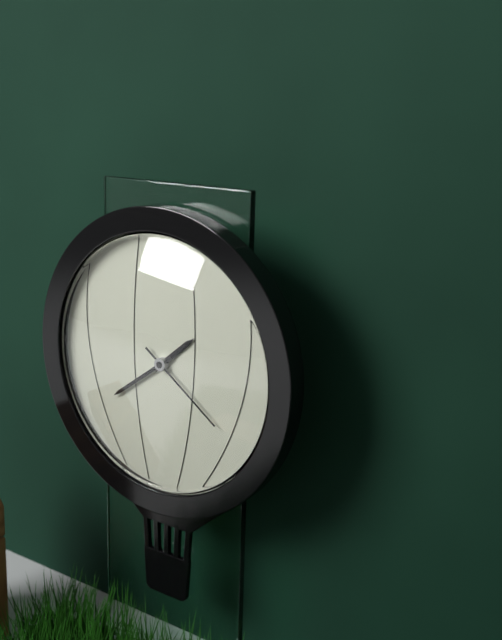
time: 1:39:21
